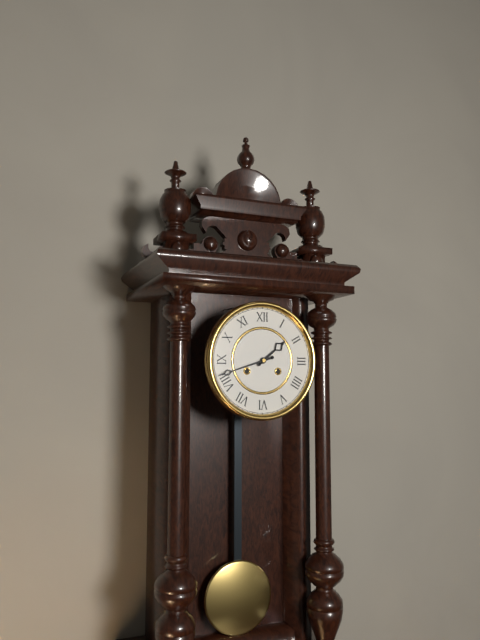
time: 1:42
